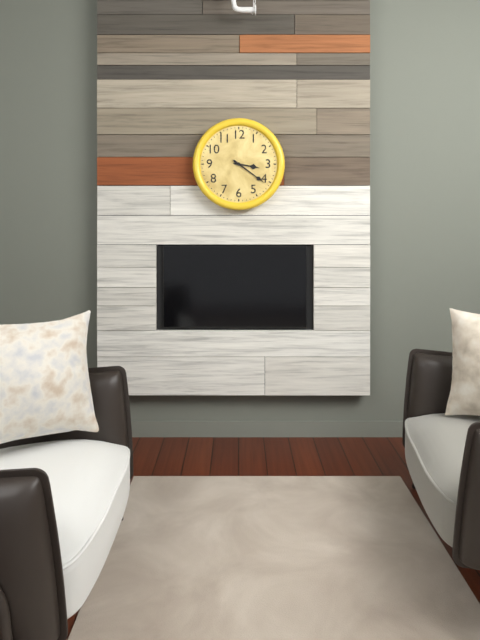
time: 3:21
